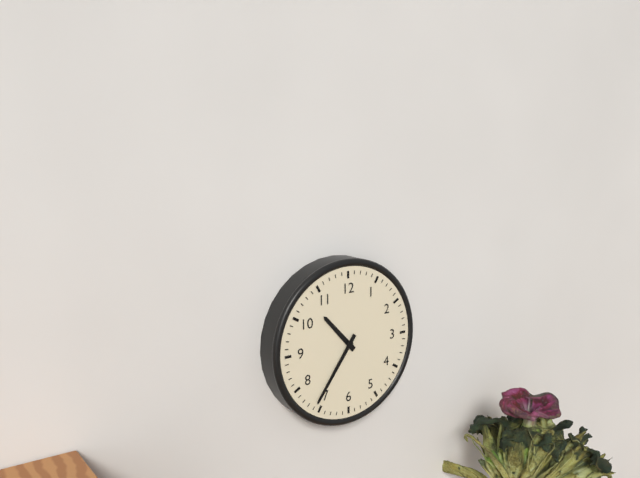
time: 10:36
